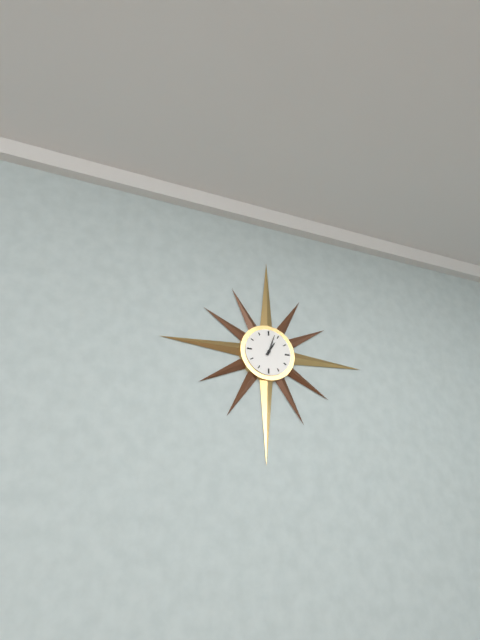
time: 1:03
